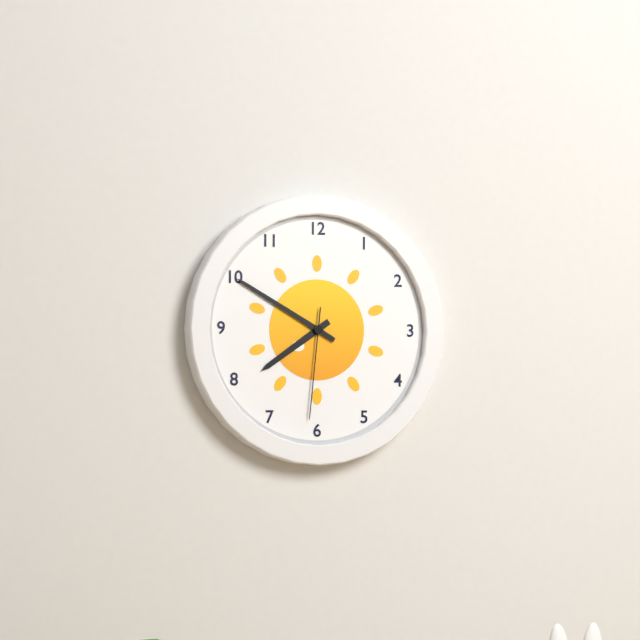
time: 7:50:31
